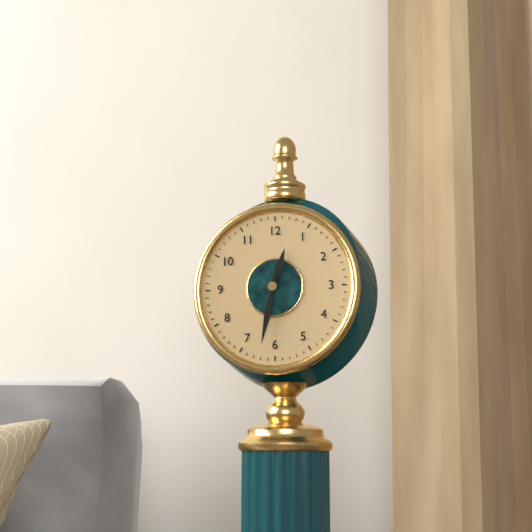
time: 12:32
